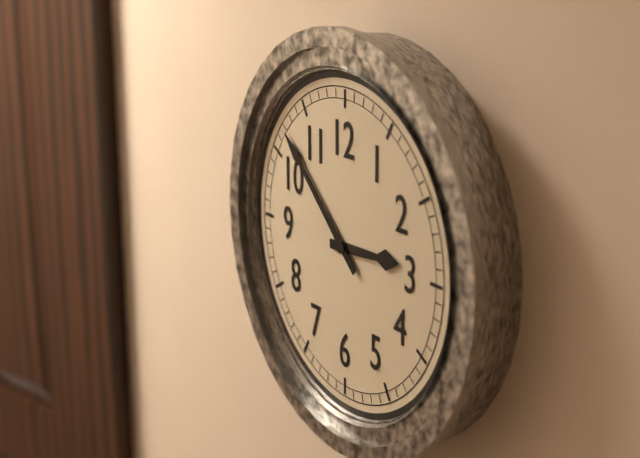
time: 2:52
